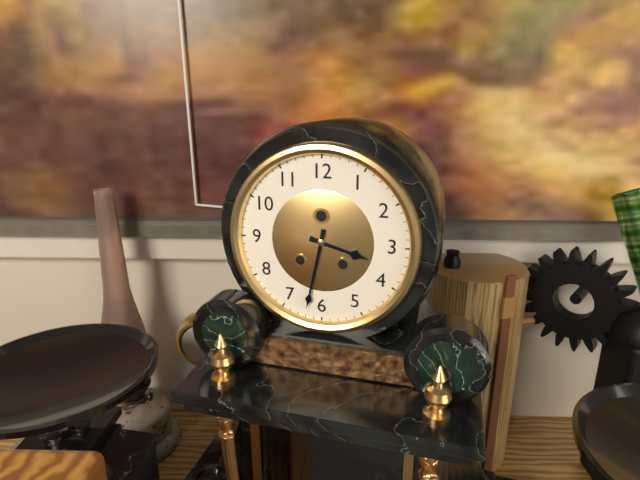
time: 3:32
